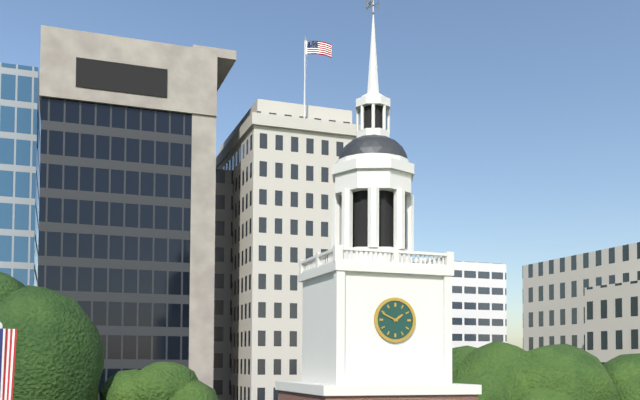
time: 1:49
